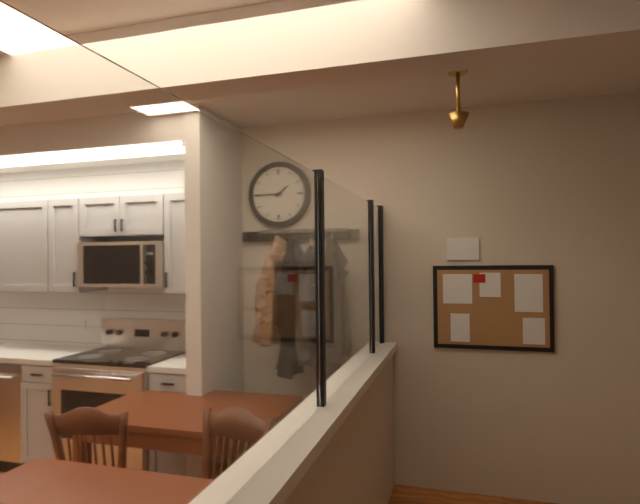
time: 1:45
